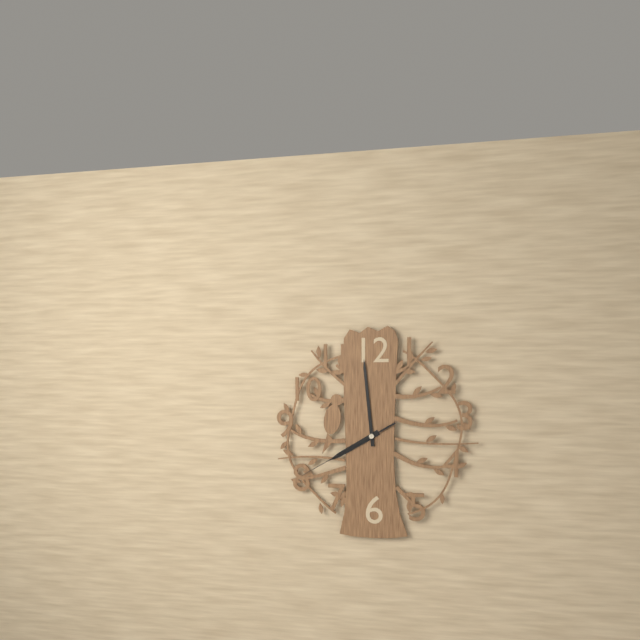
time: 7:59:40
